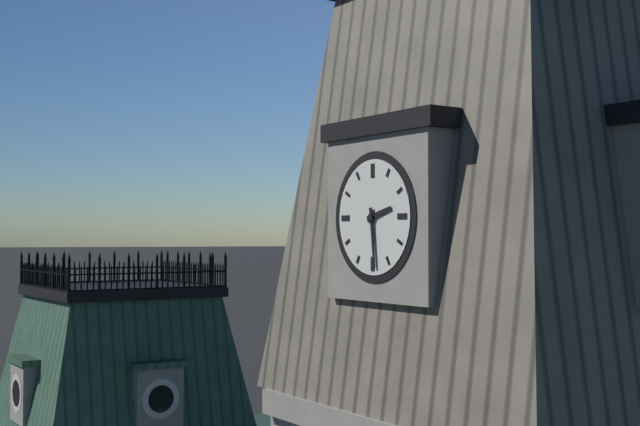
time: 2:29
